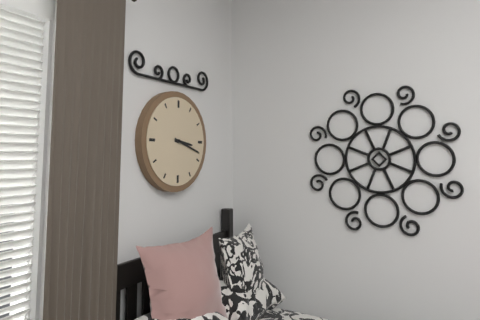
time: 3:18
